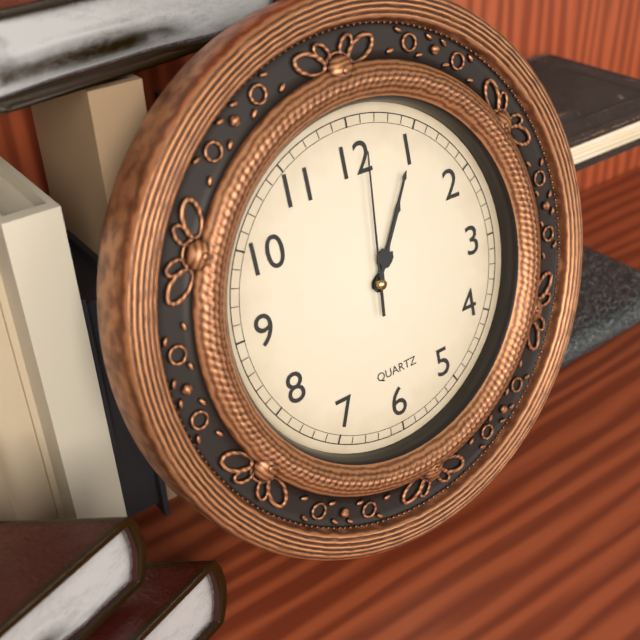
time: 1:05:01
